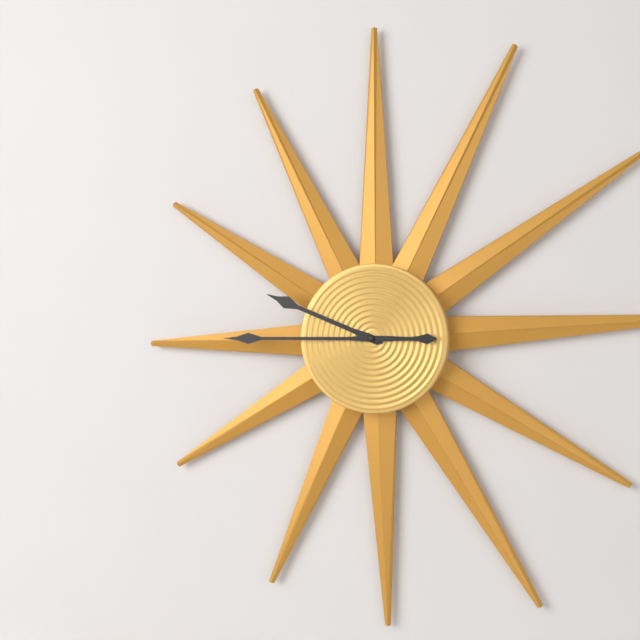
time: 9:45
